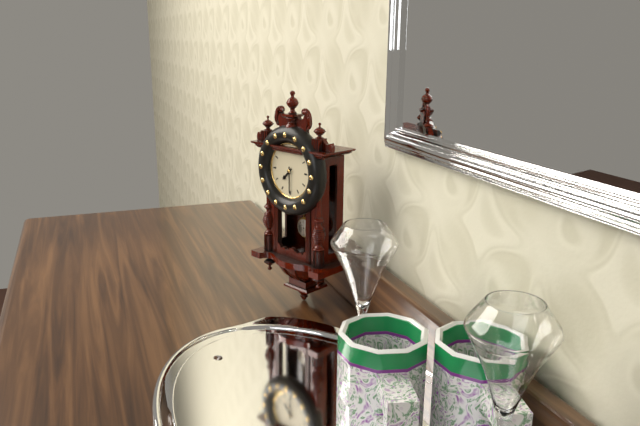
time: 7:30
